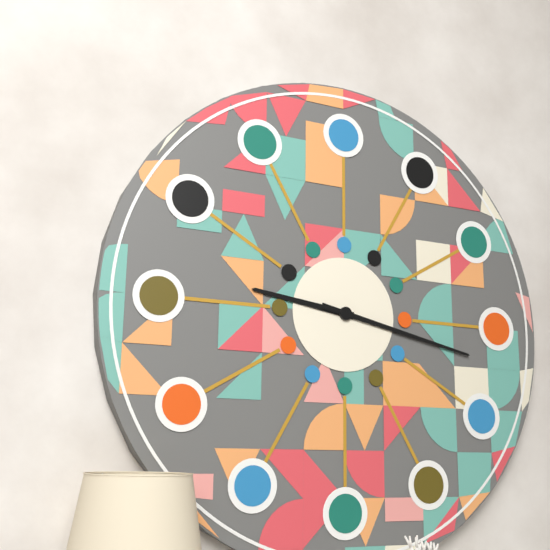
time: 9:17
